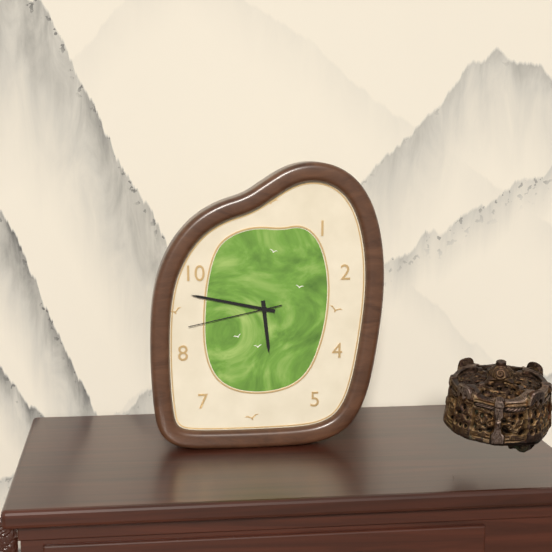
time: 5:47:43
